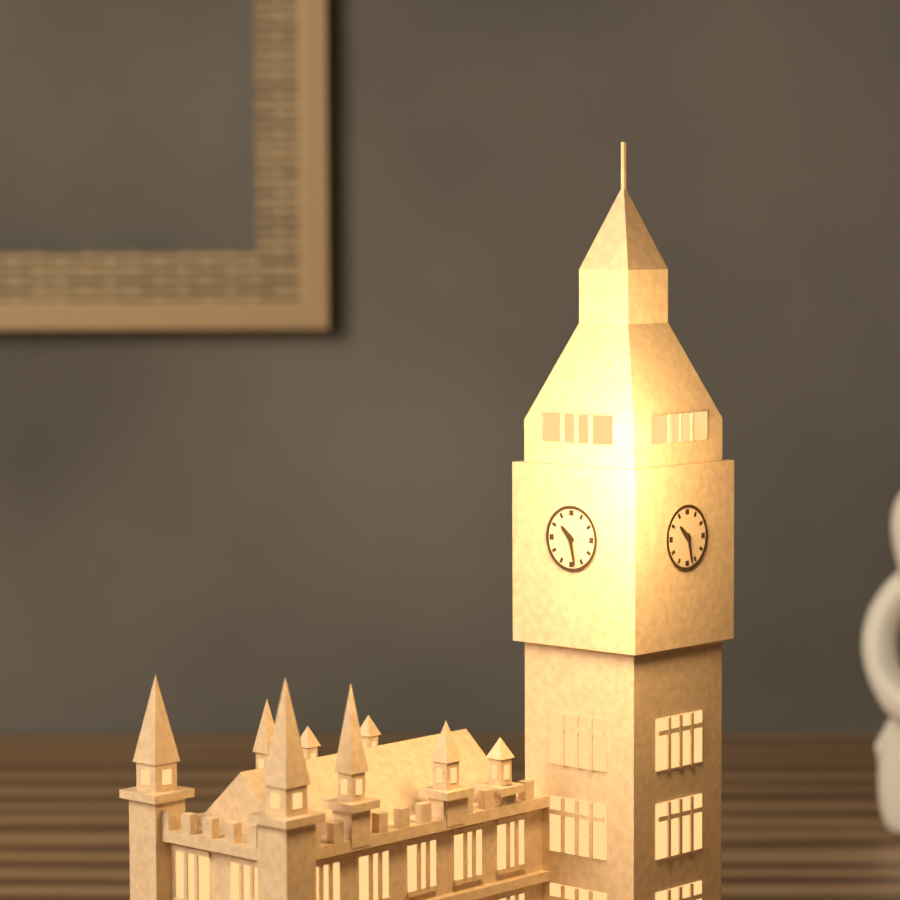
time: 10:28
